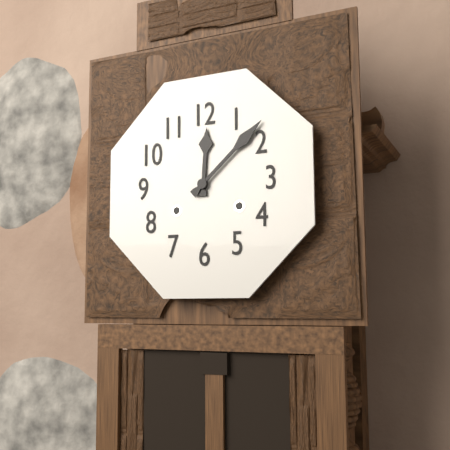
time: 12:08
